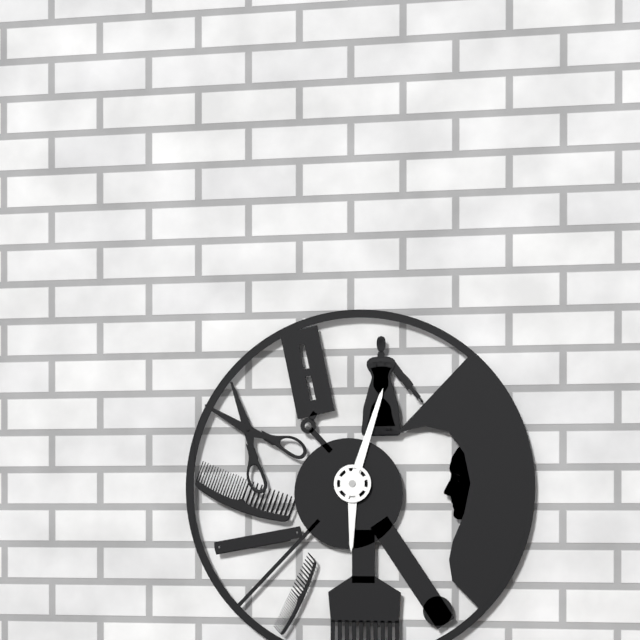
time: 6:03
